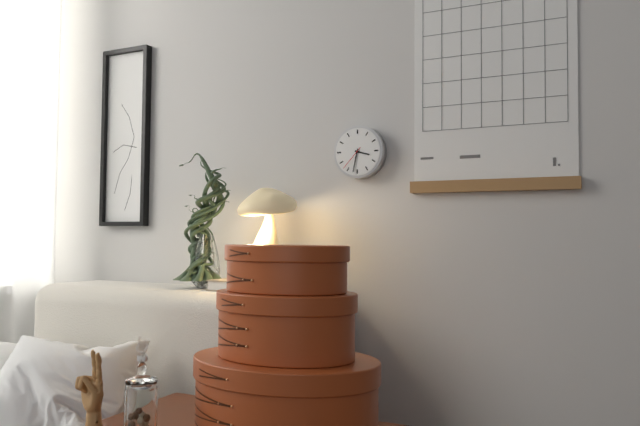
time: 3:32
